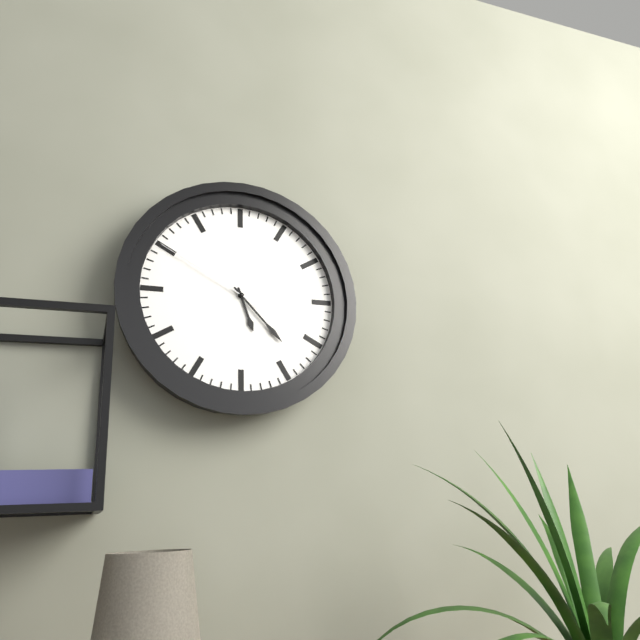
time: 5:23:50
